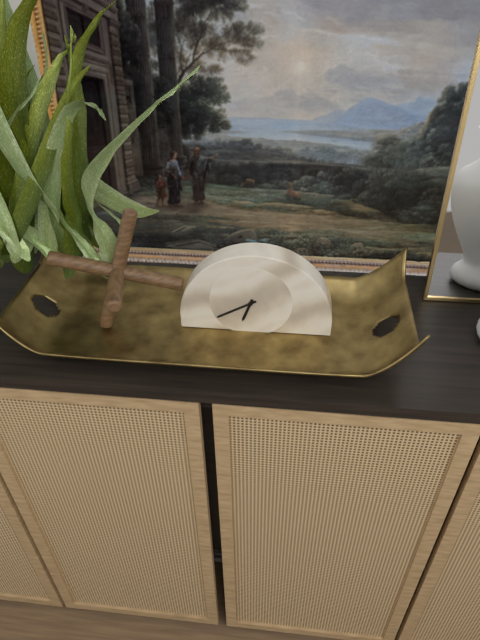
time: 6:40
